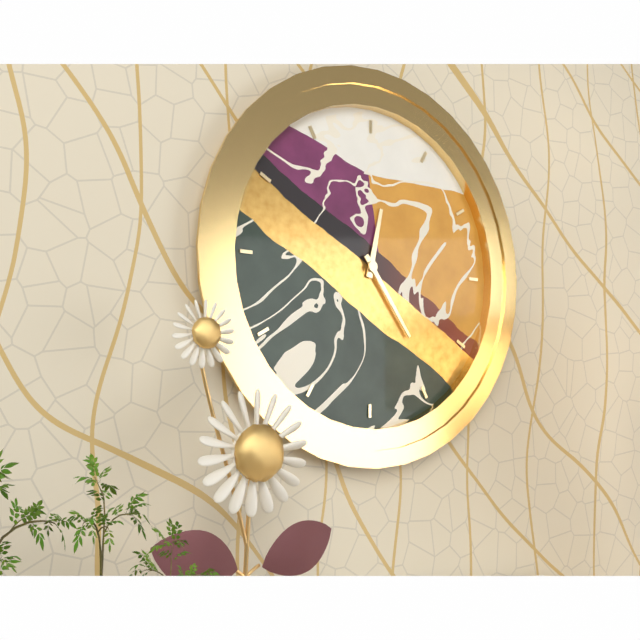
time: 12:24
